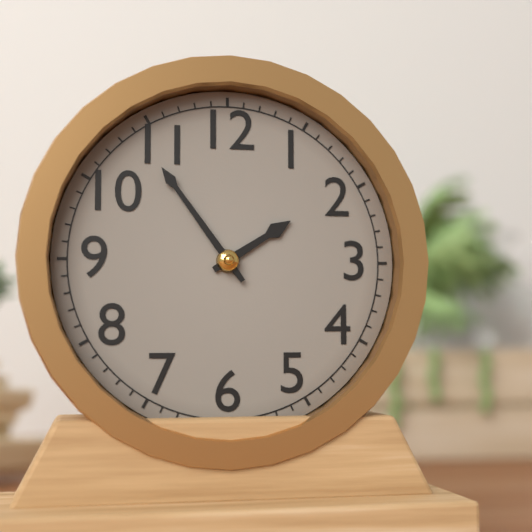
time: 1:54
